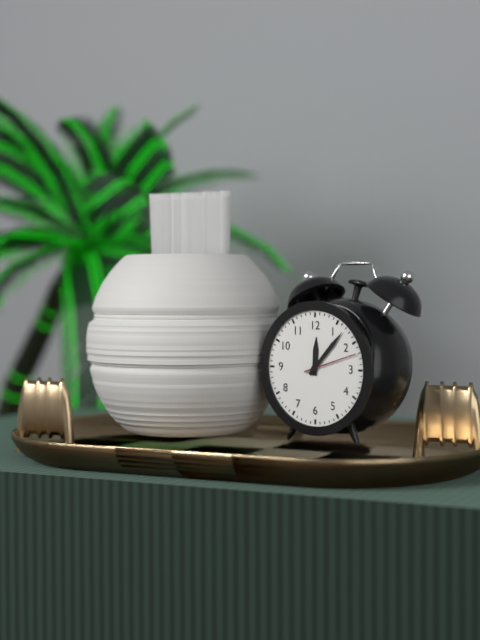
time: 12:07:12
